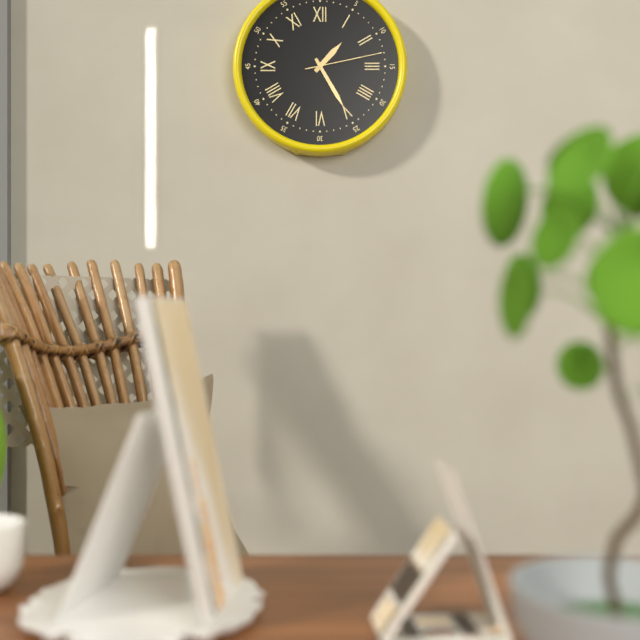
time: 1:25:13
